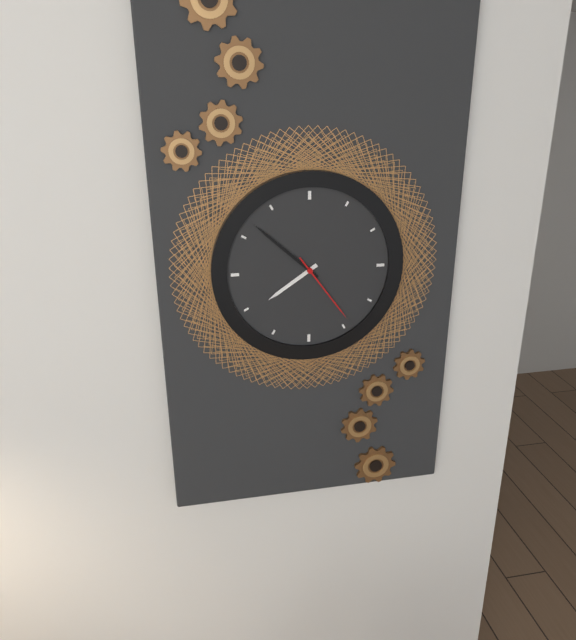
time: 7:52:24
